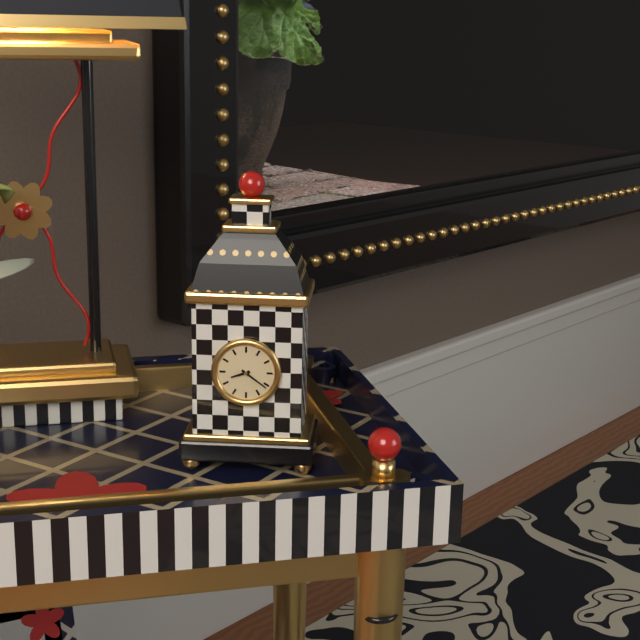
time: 8:21
